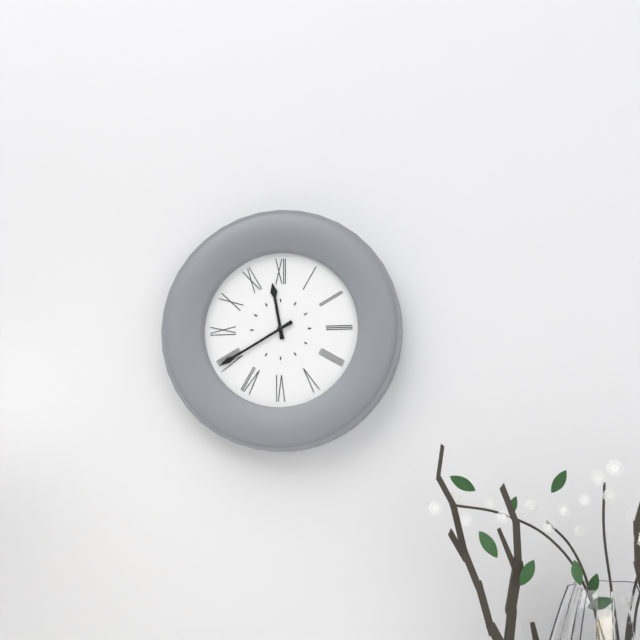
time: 11:40
